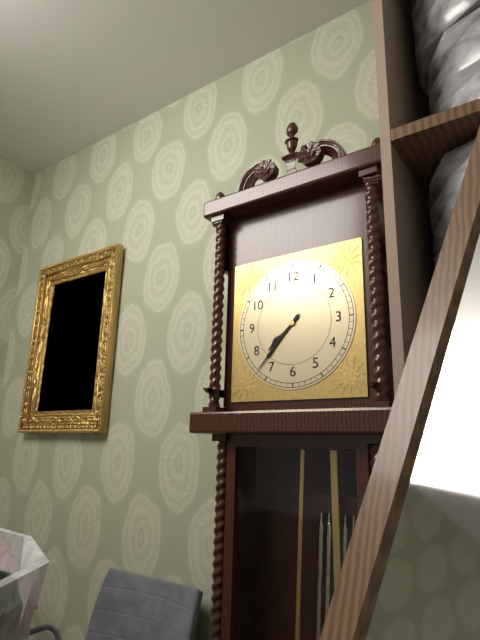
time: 7:37
